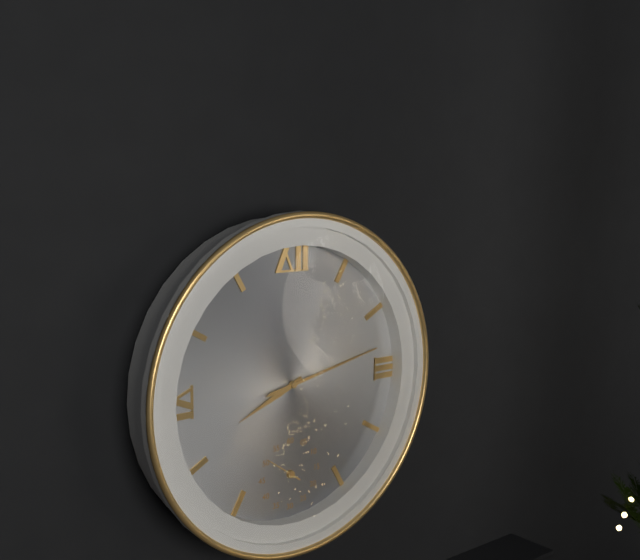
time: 8:13
